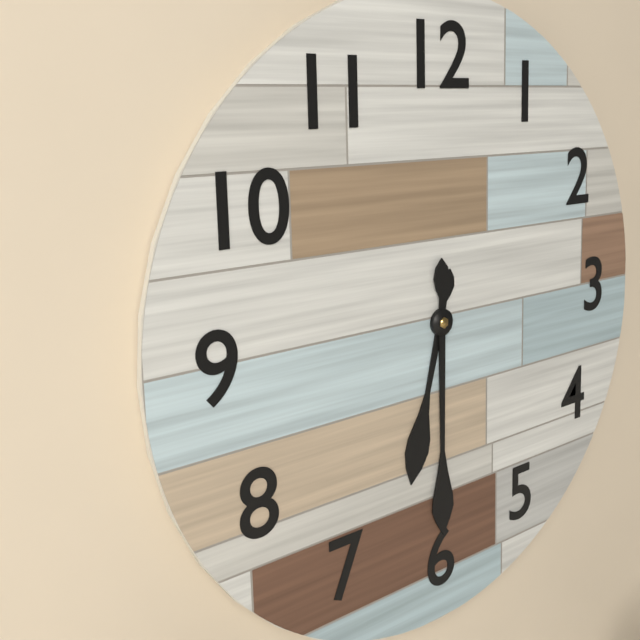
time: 6:30
